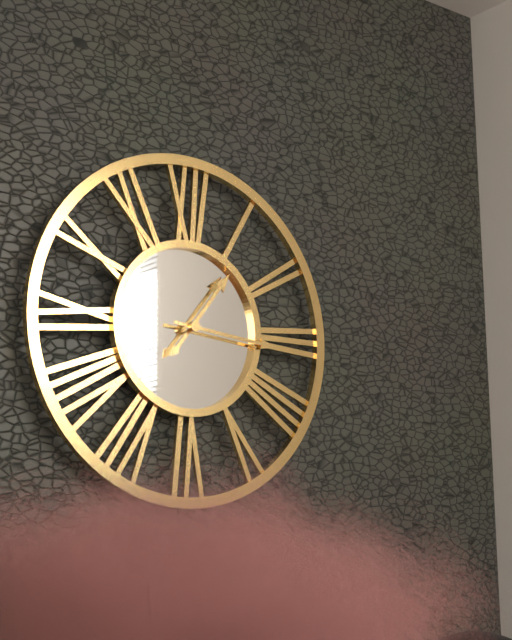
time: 1:16
